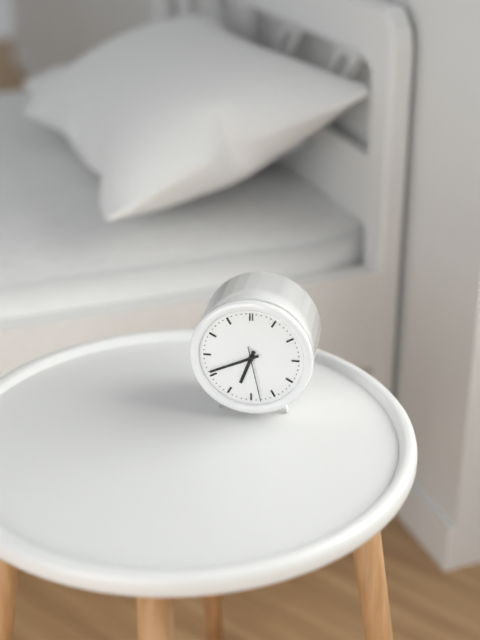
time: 6:41:28
